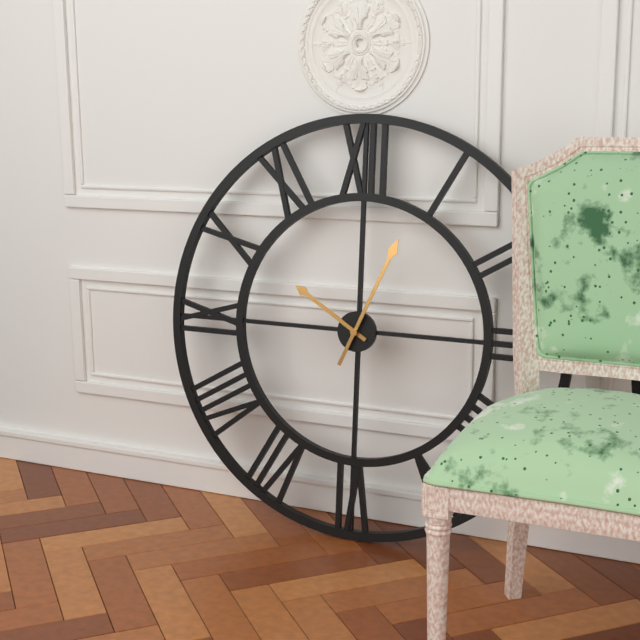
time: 10:04
